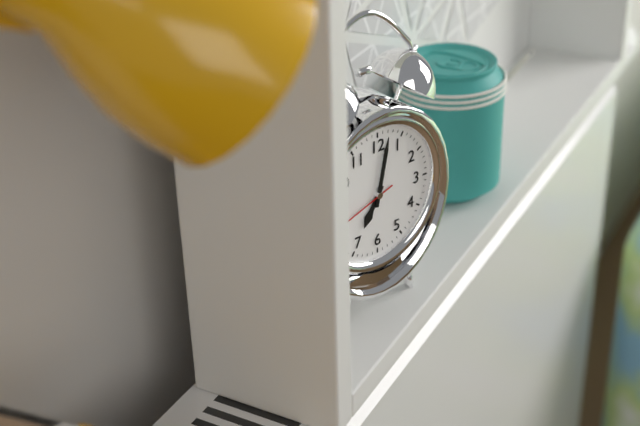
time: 7:02
